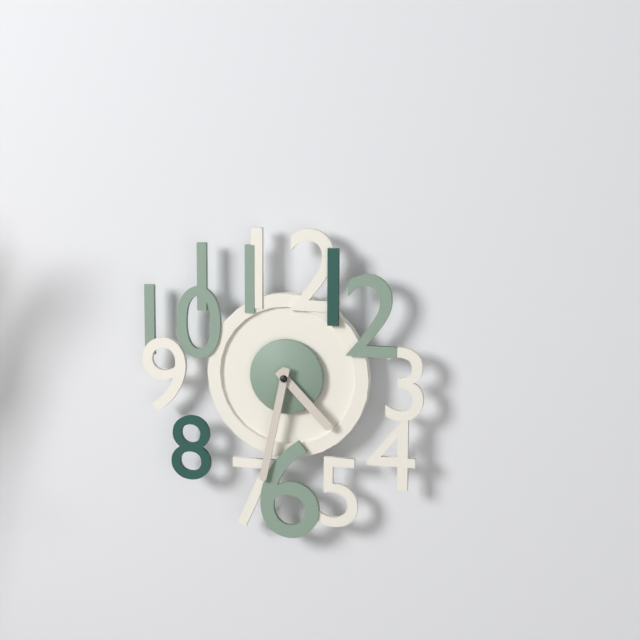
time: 4:32
